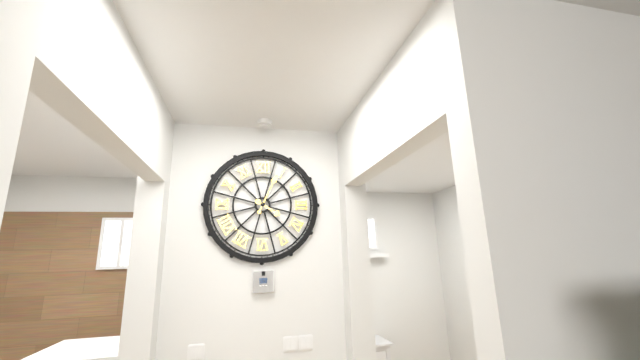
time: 4:04
